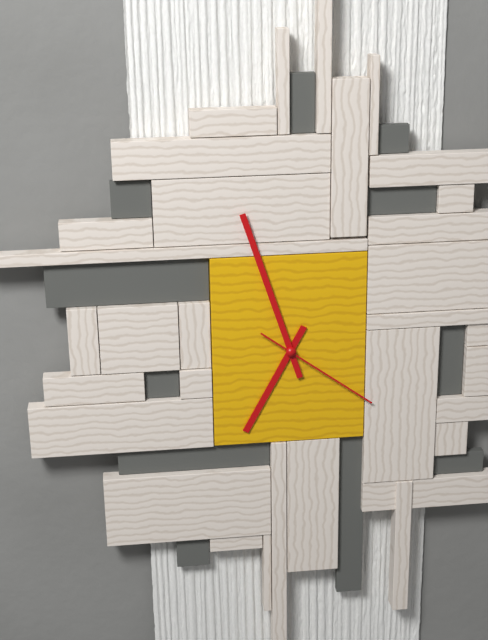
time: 6:57:21
